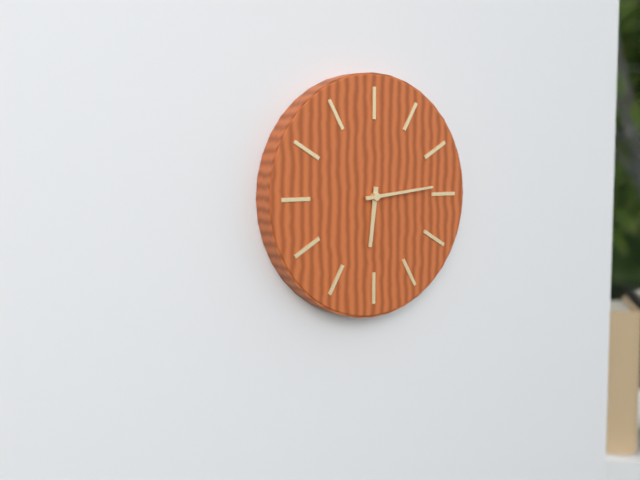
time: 6:14
